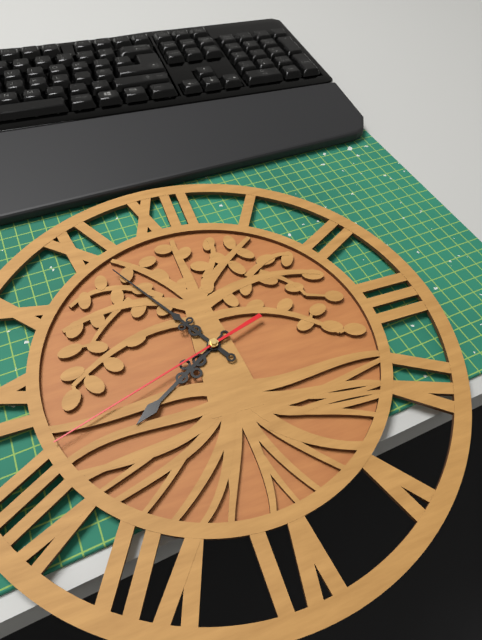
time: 7:55:42
